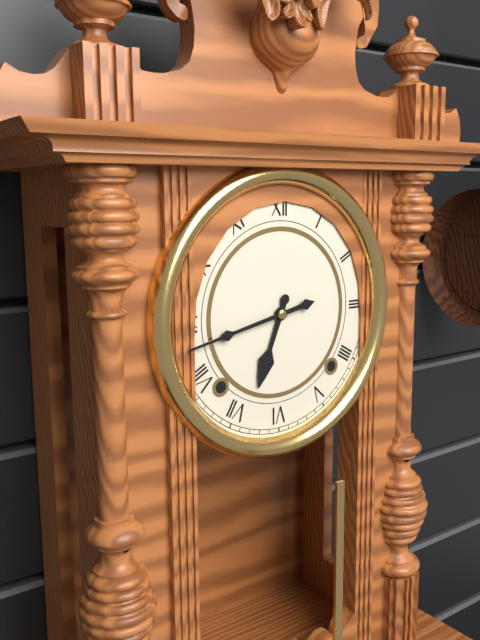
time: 6:43
